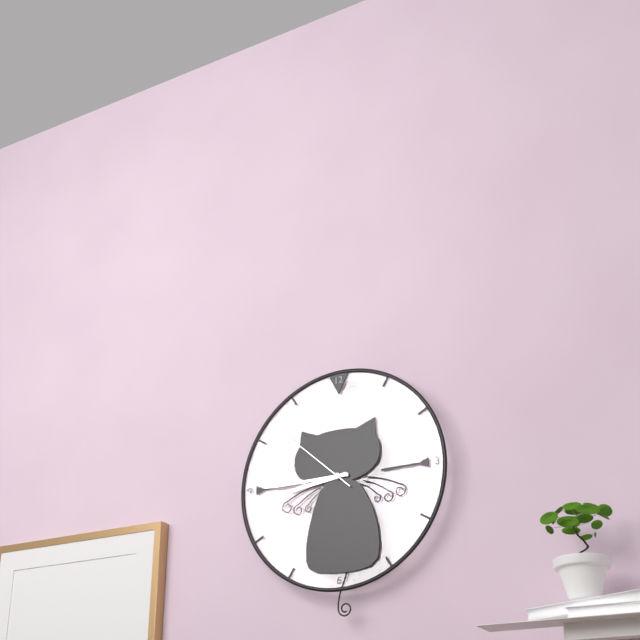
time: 8:45:52
